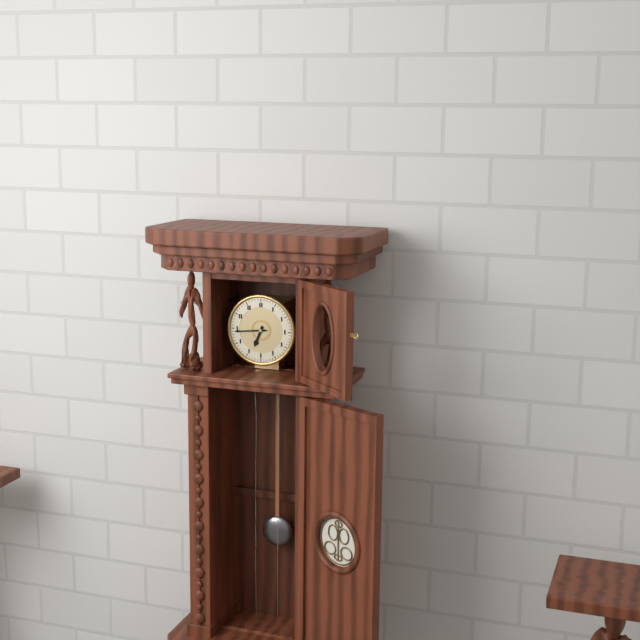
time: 6:44
